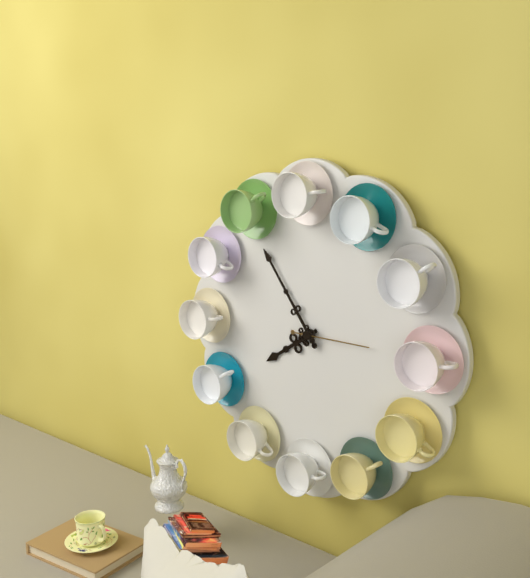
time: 7:54:15
